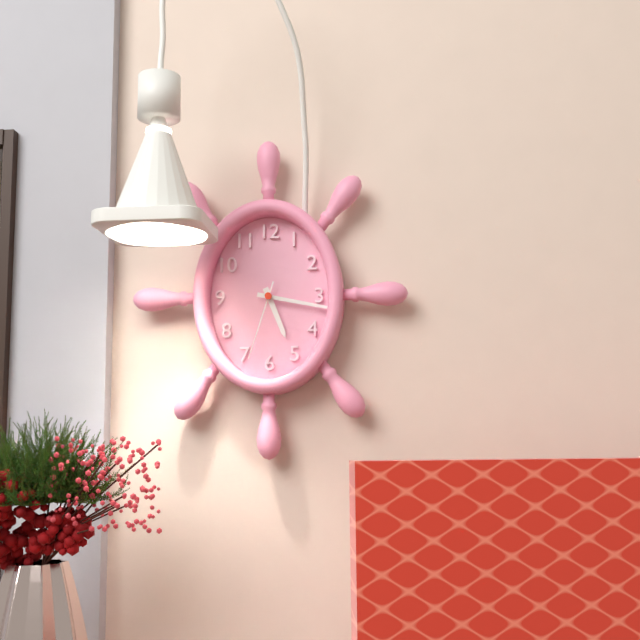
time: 5:17:33
